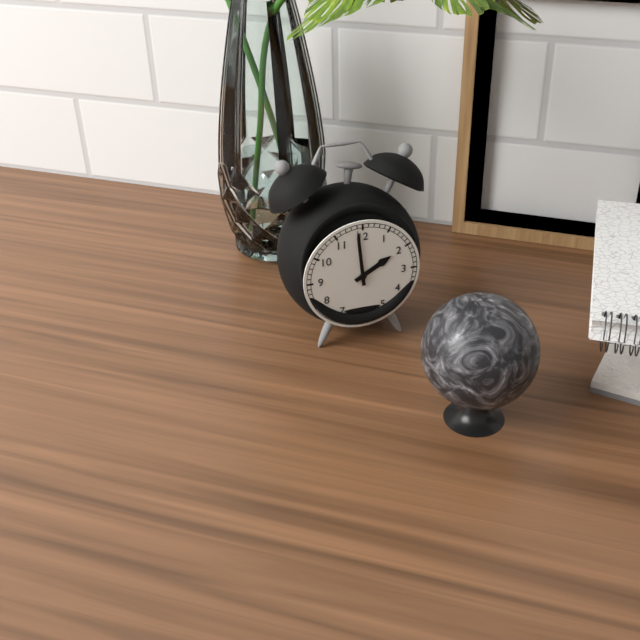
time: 1:59
